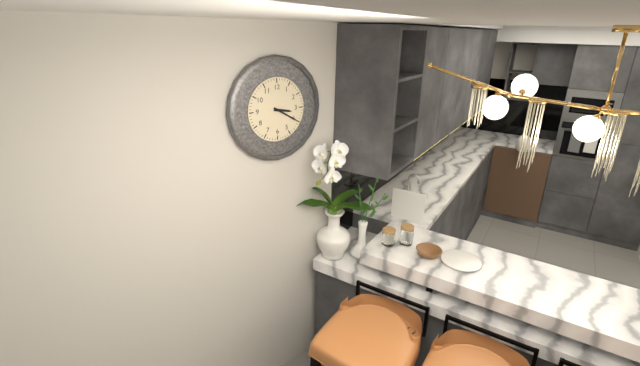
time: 3:20
